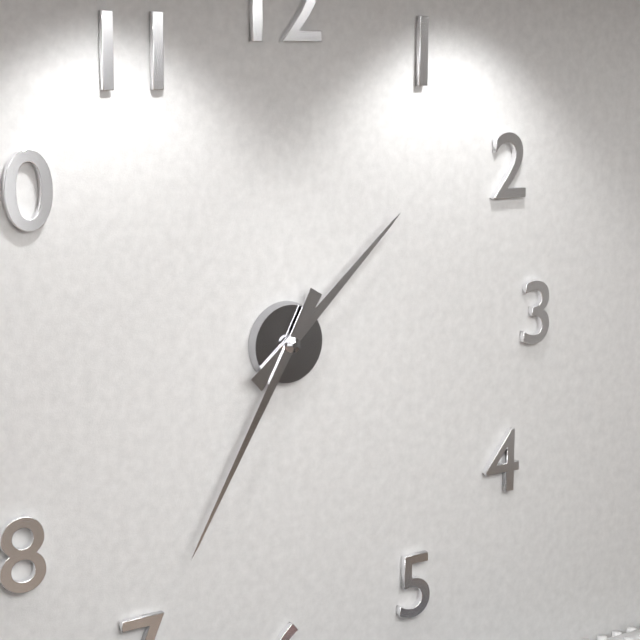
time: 1:35
